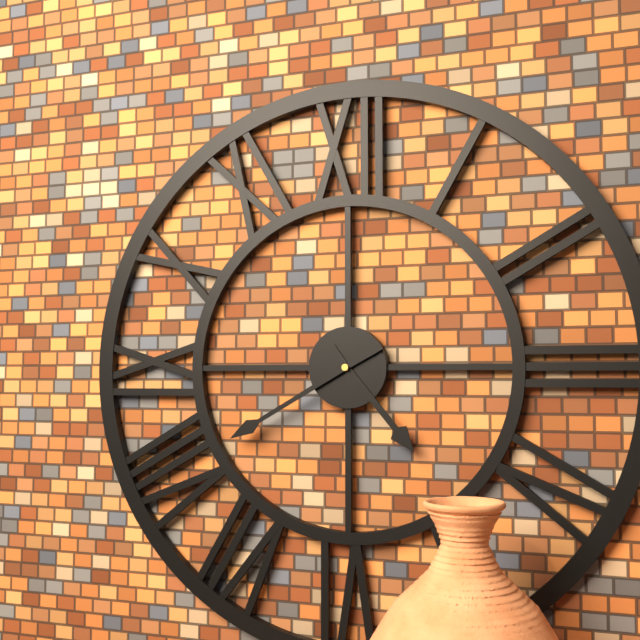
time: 4:40
